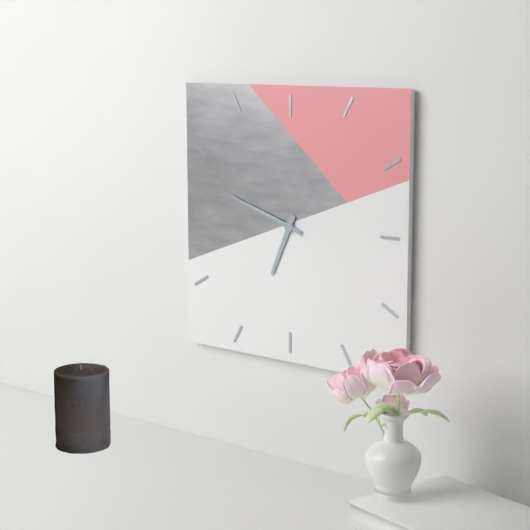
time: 6:48
